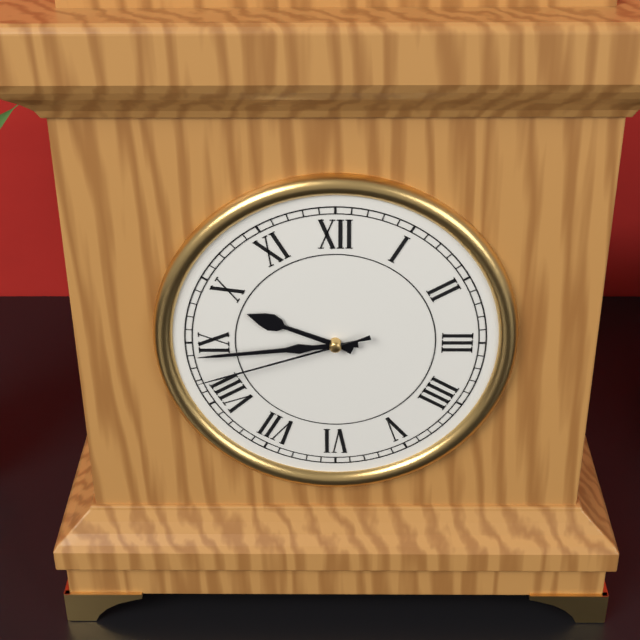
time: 9:44:42
